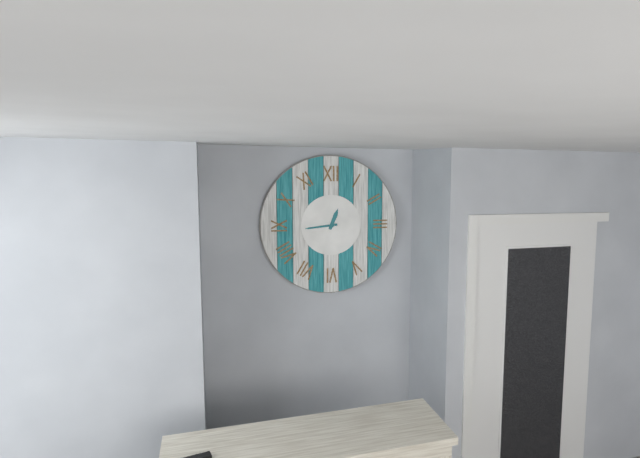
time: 12:44
